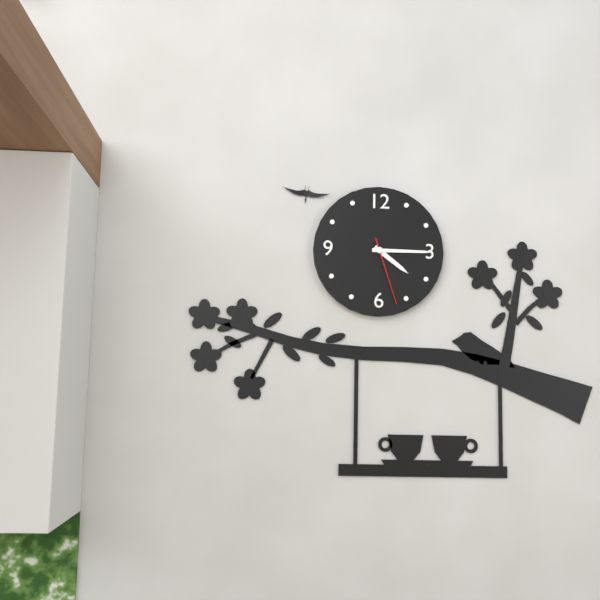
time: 4:15:27
